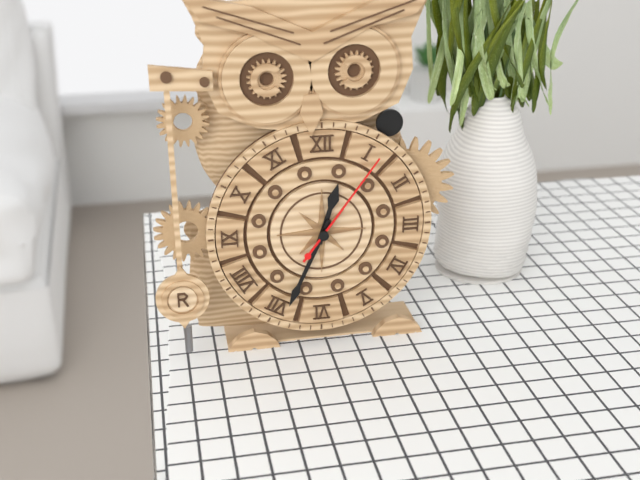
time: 12:34:06
